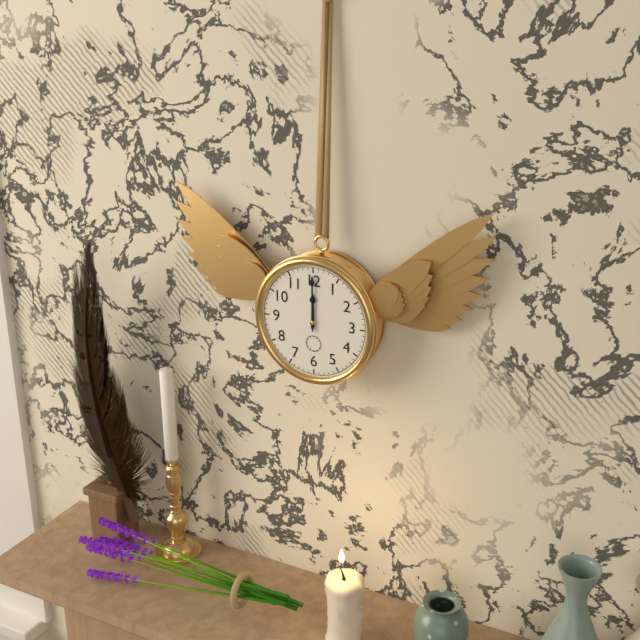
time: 12:00
